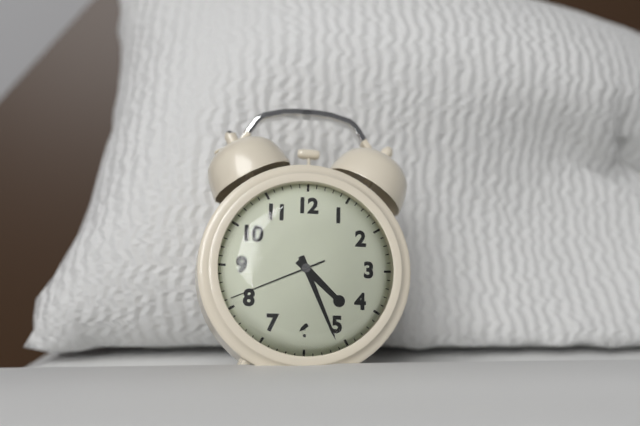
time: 4:26:41
